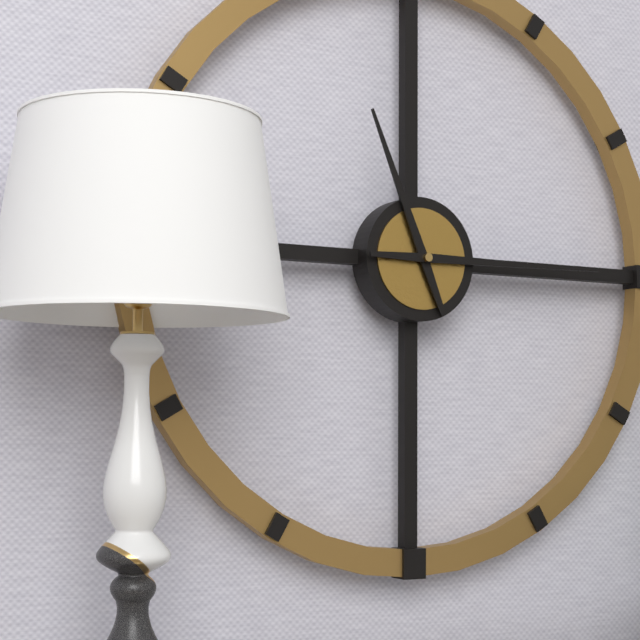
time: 11:15
